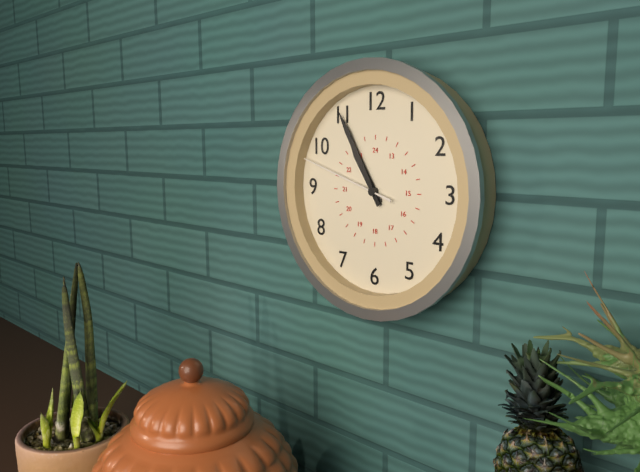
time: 10:55:48
